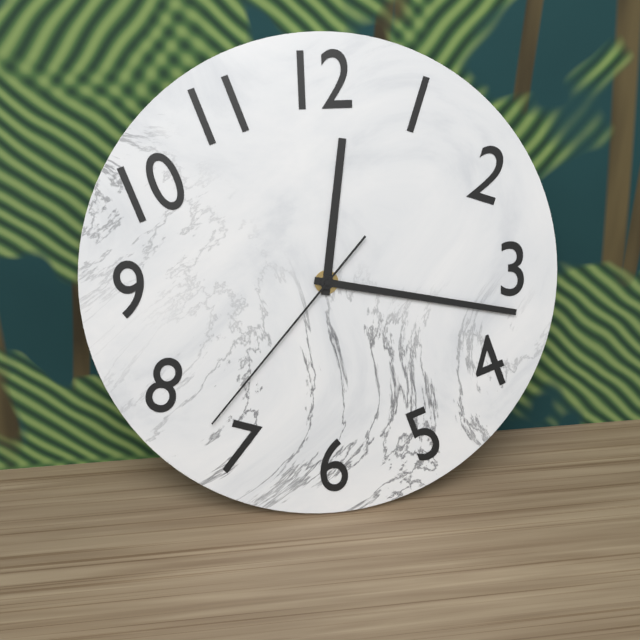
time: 12:17:37
